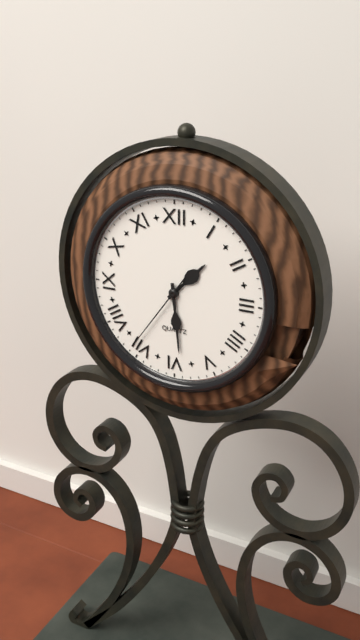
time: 1:29:36
